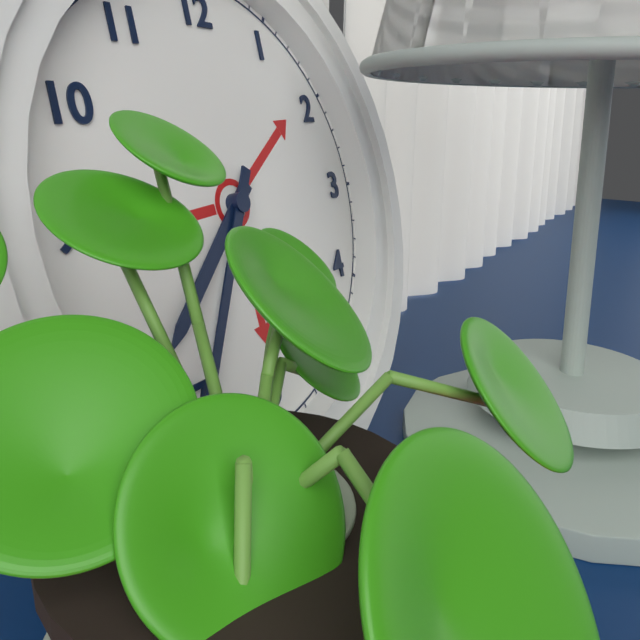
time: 7:35
